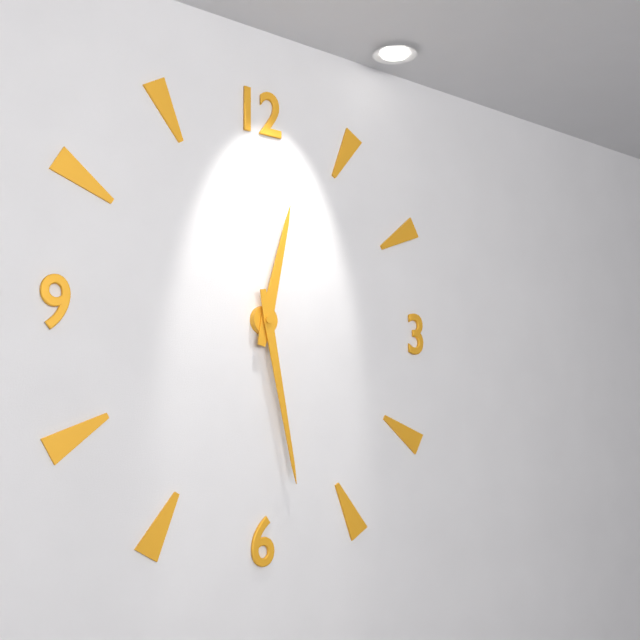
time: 12:28
